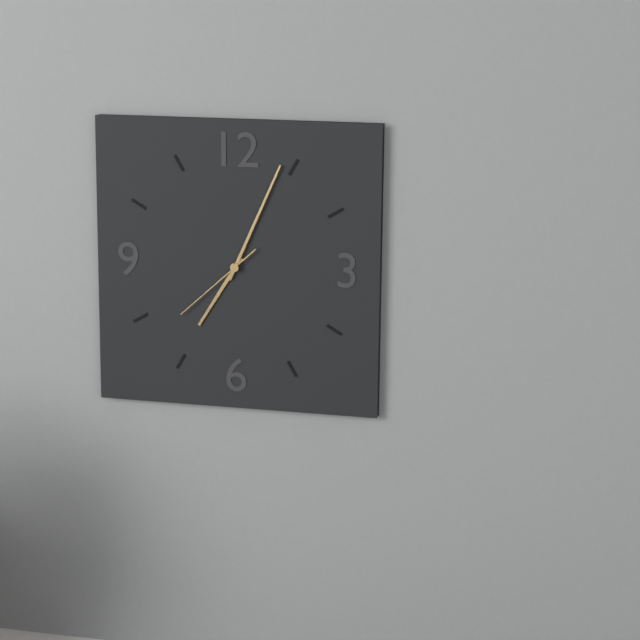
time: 7:04:38
